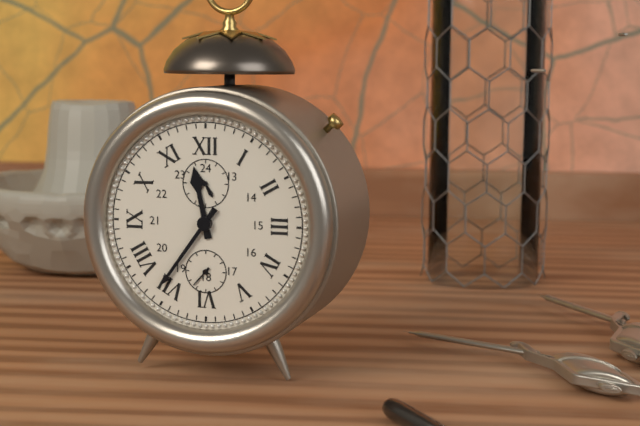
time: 11:36:37
